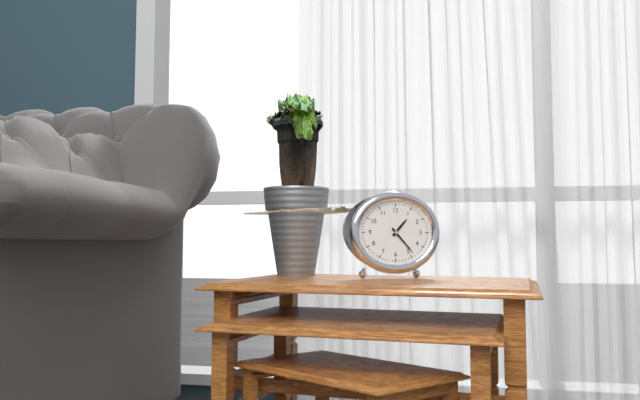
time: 1:23
